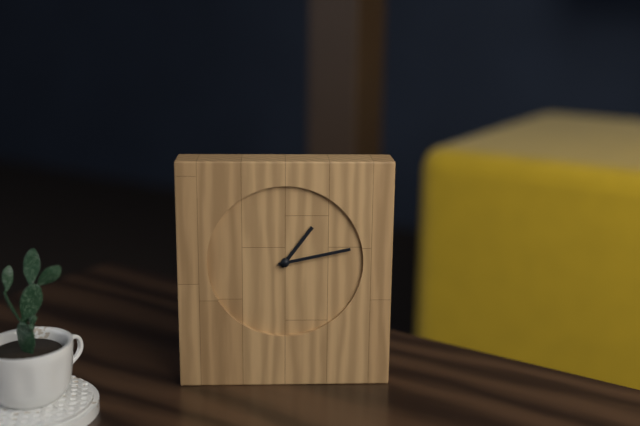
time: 1:13
